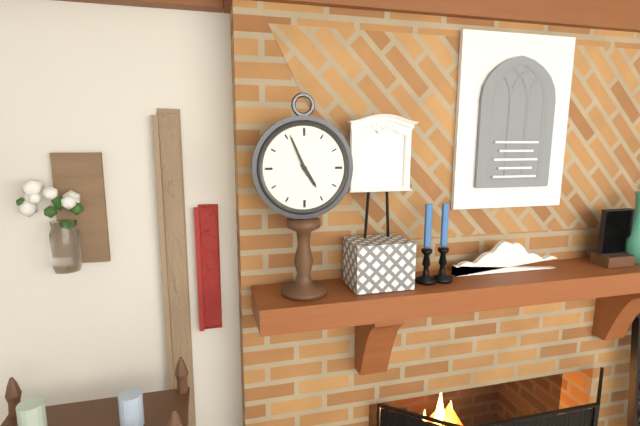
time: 4:56
